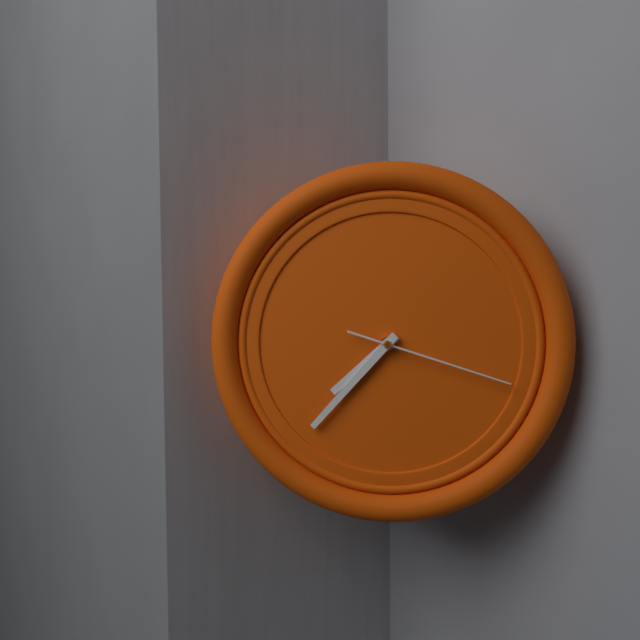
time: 7:37:18
